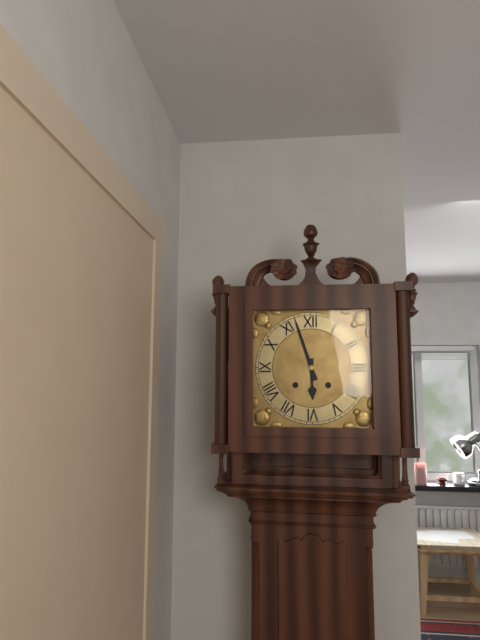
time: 5:57
